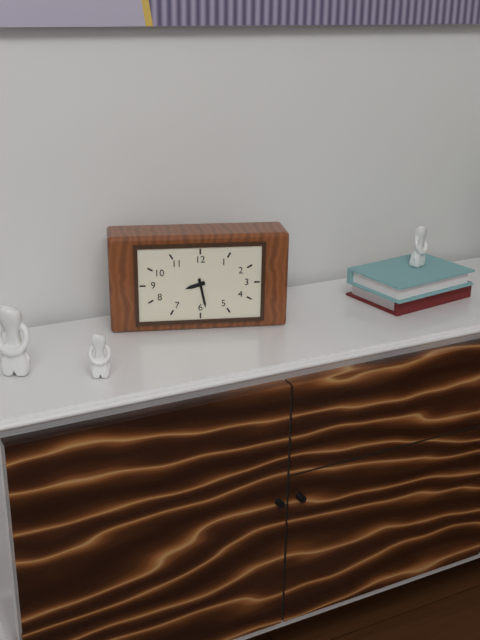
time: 8:28
